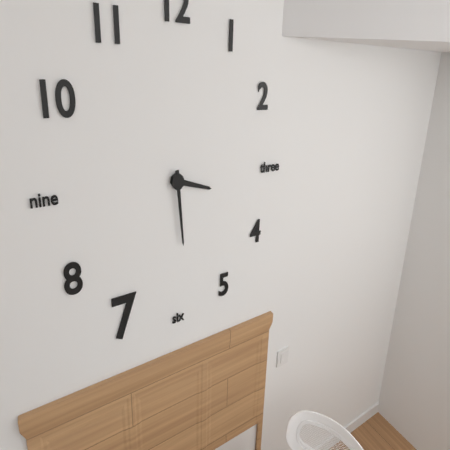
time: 3:29
